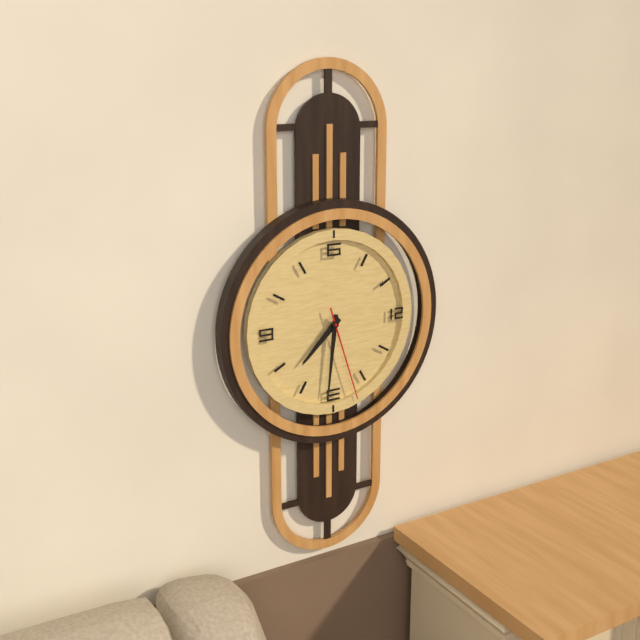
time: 7:31:27
